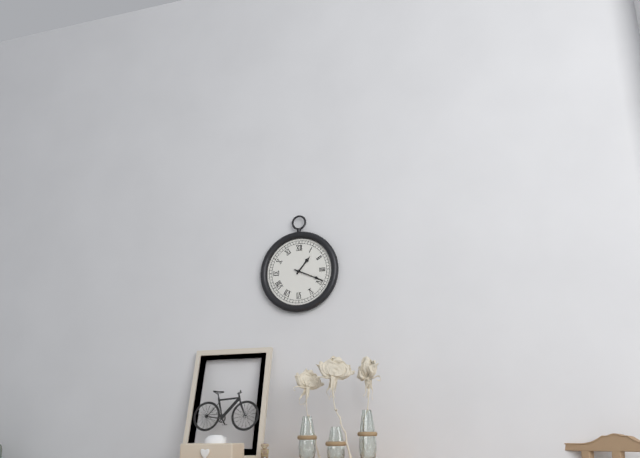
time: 1:19
